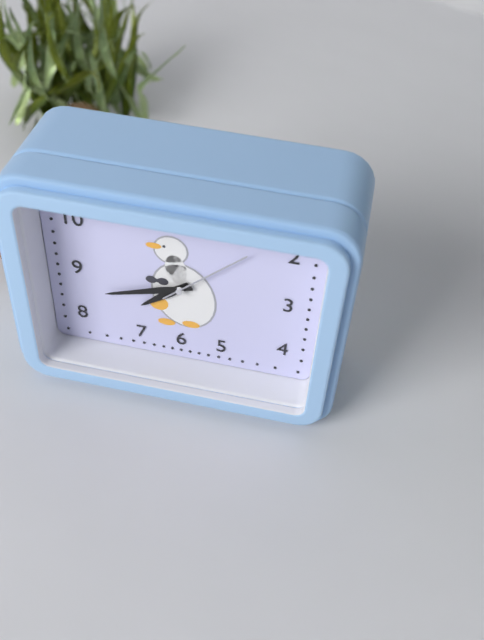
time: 7:42:08
